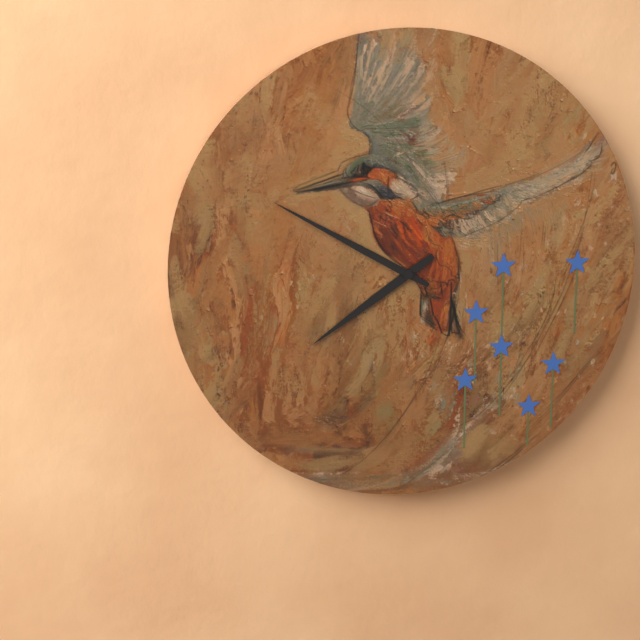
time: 7:50
